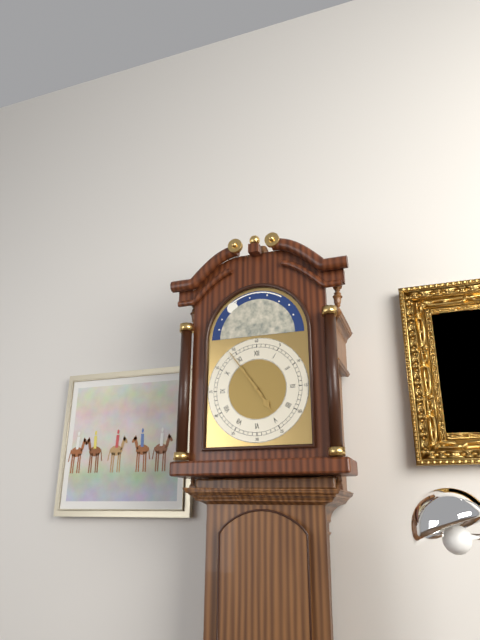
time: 4:54
